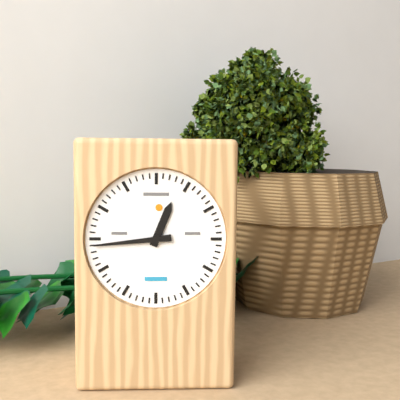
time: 12:44
